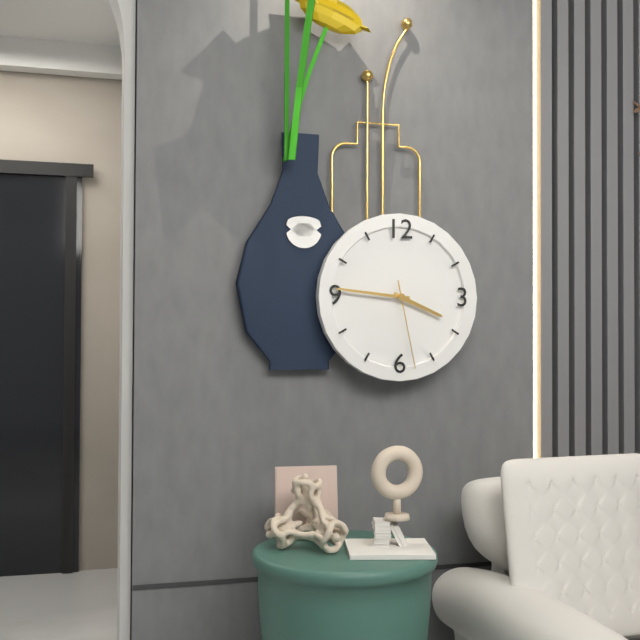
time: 3:46:28
